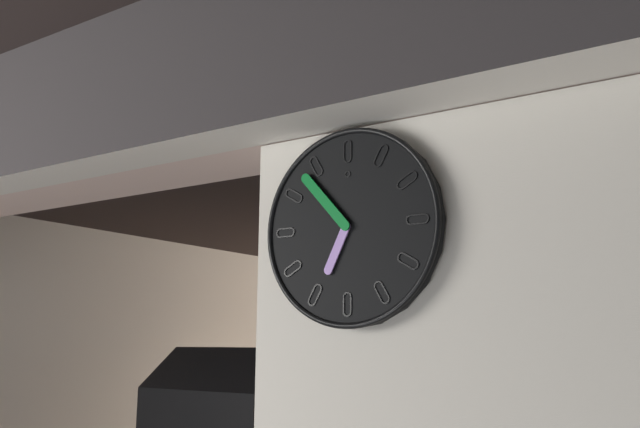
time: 6:53
